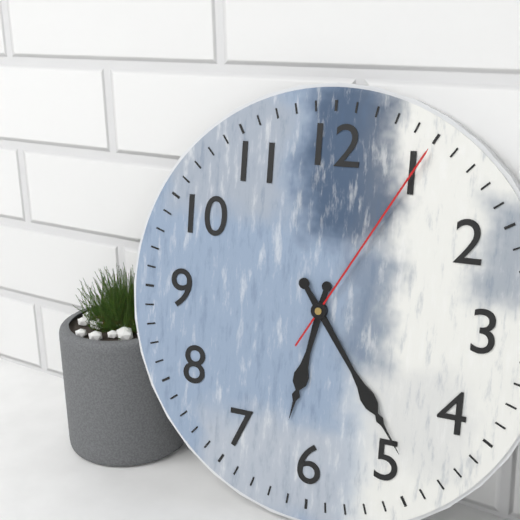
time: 6:24:05
